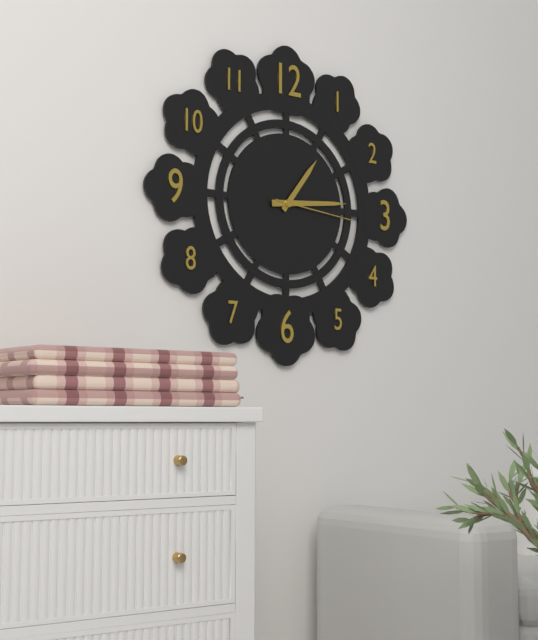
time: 1:14:16
